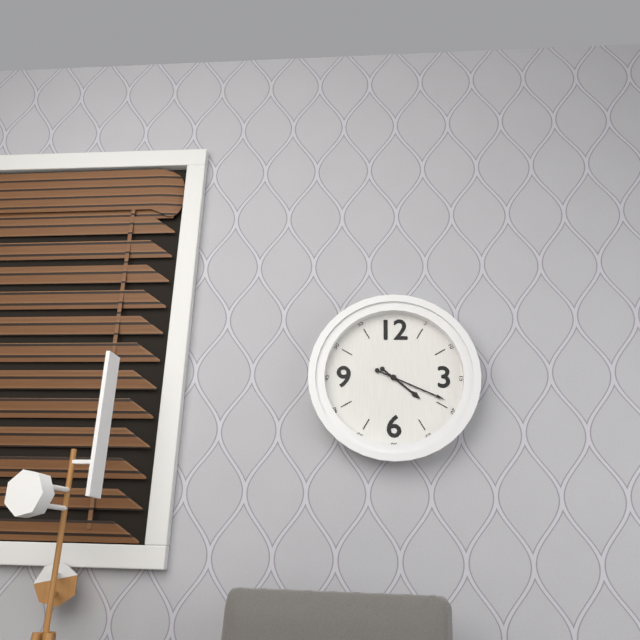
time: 4:19
